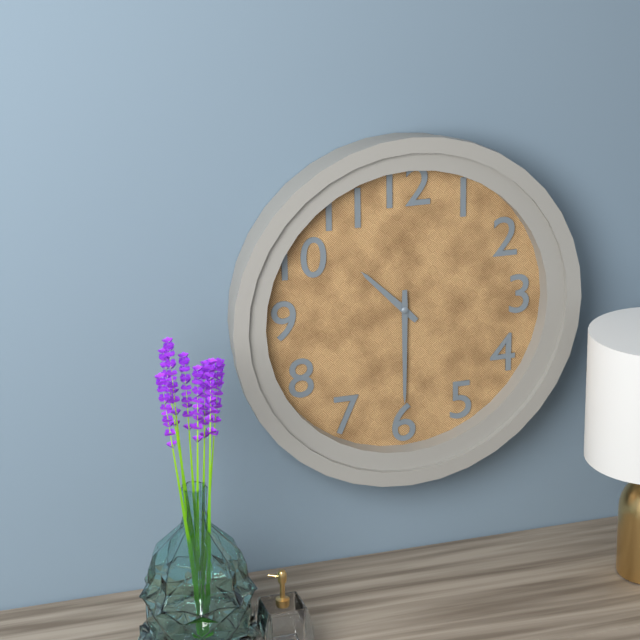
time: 10:30
